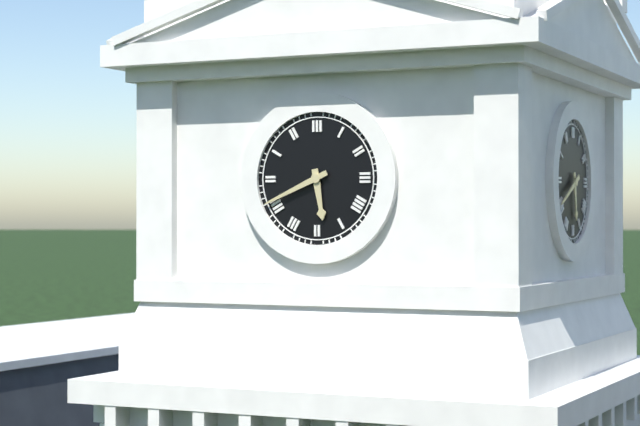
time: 5:41
